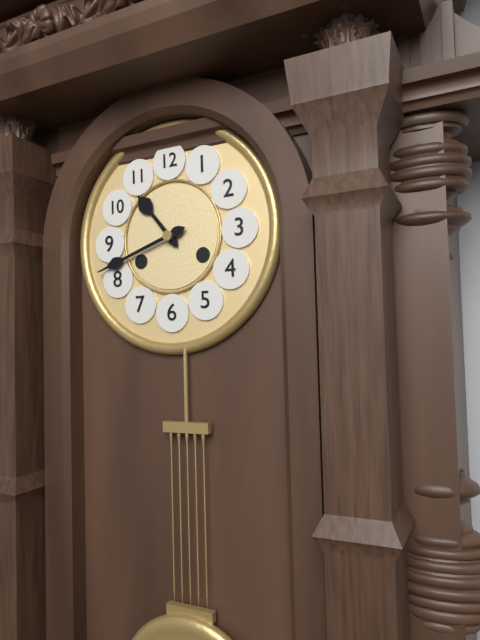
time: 10:42
